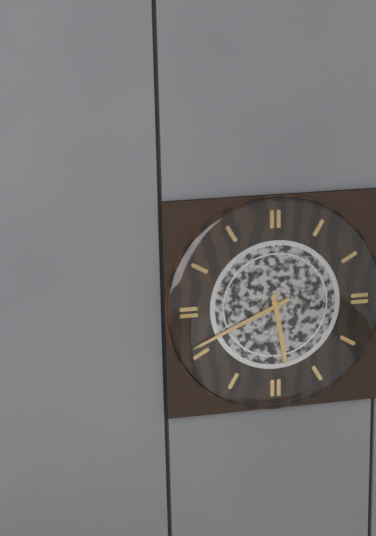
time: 5:41
